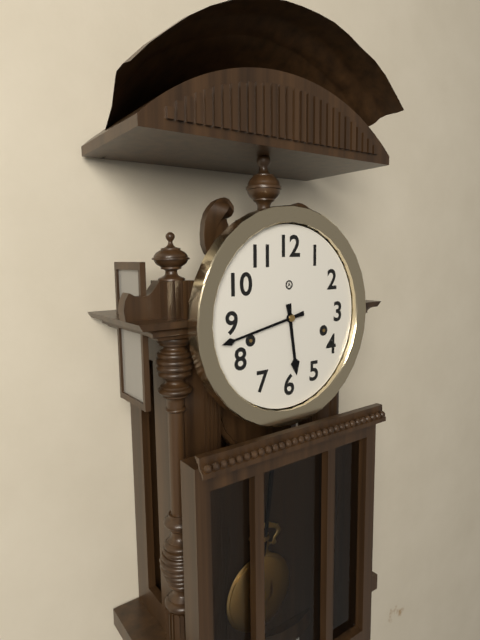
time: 5:43
